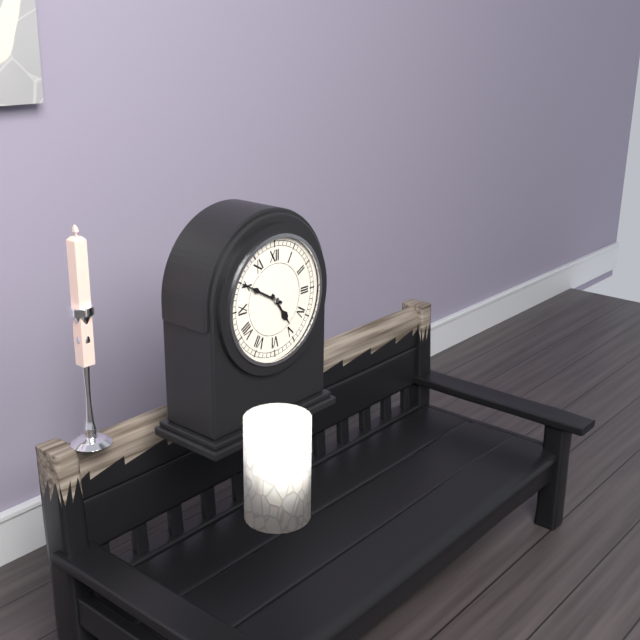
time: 4:50
